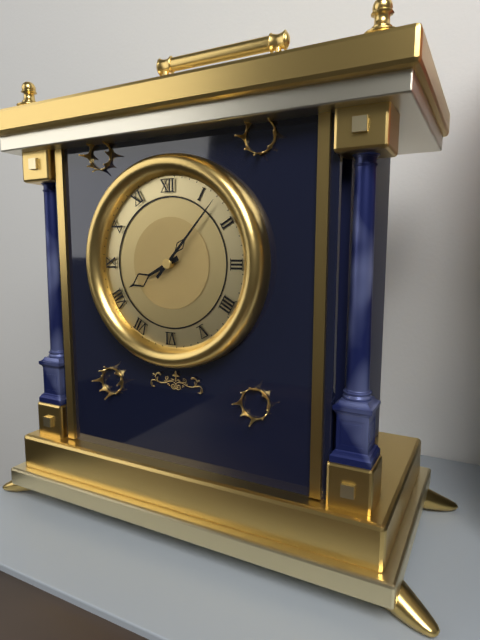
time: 8:07
